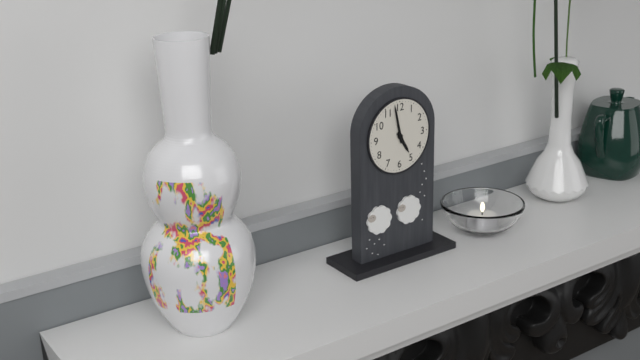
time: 4:58
